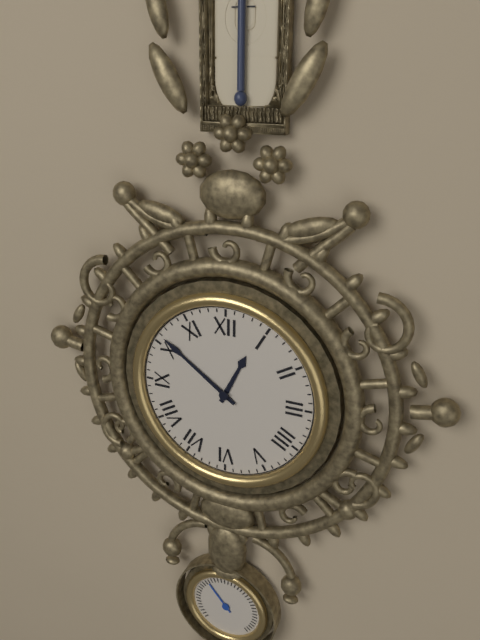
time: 12:51
